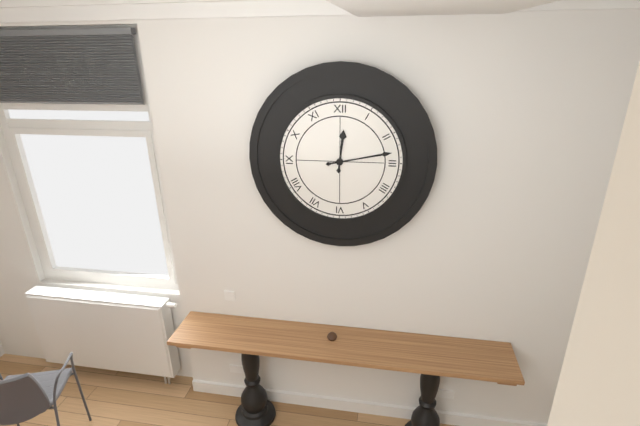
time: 12:13
